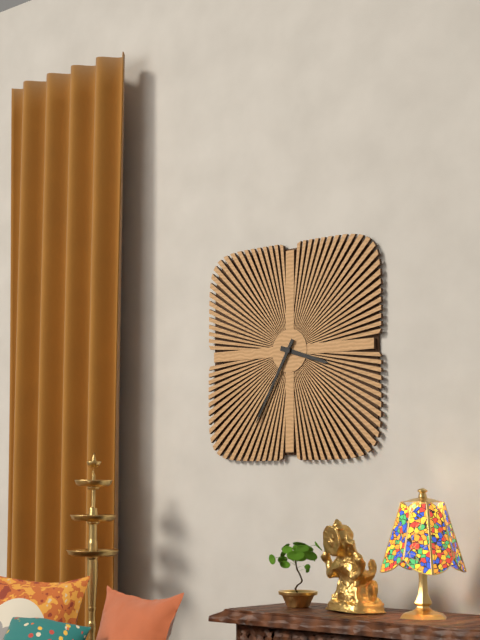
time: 3:35
